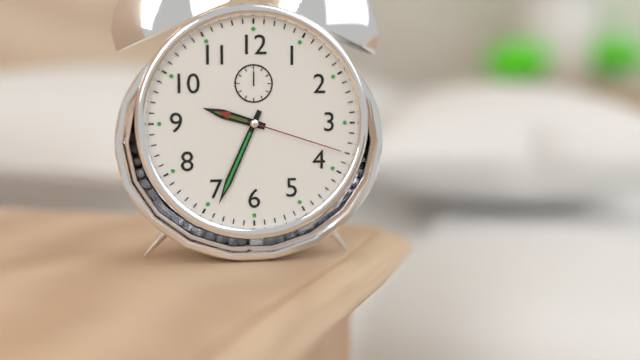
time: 9:34:18
